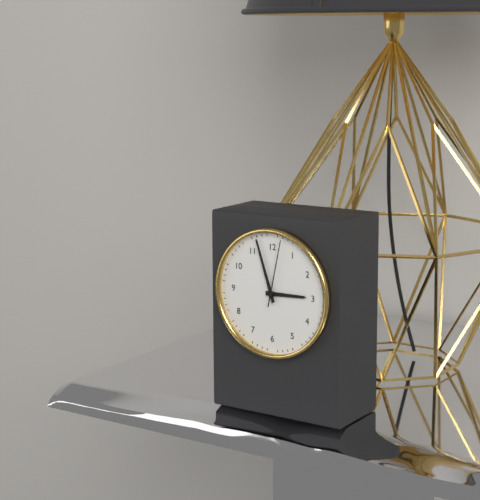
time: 2:57:02
